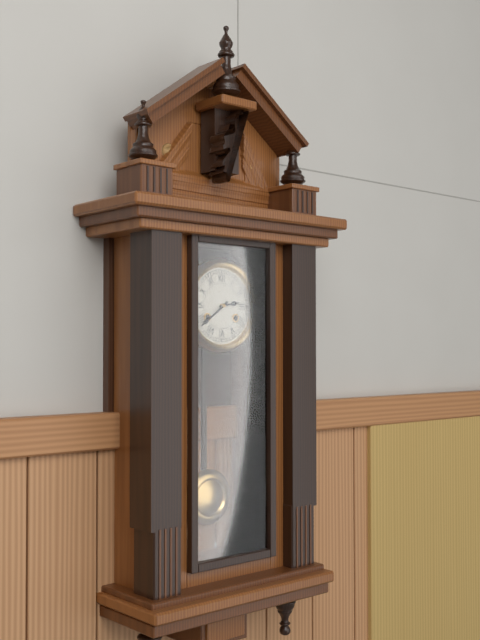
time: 2:39
